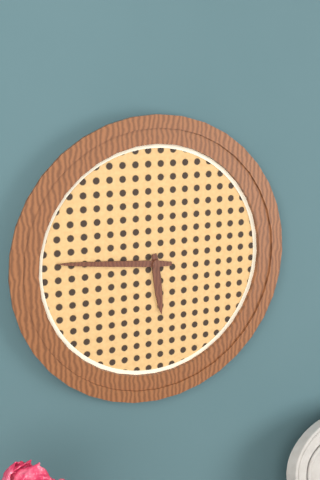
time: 5:46
